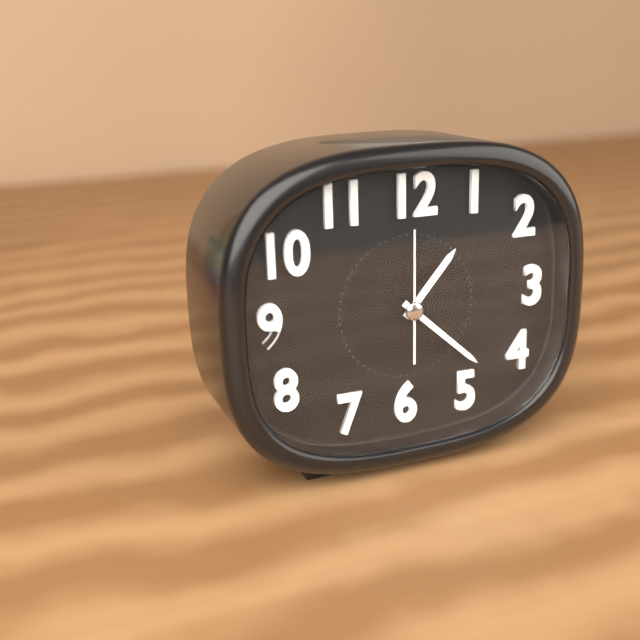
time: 1:22:00
